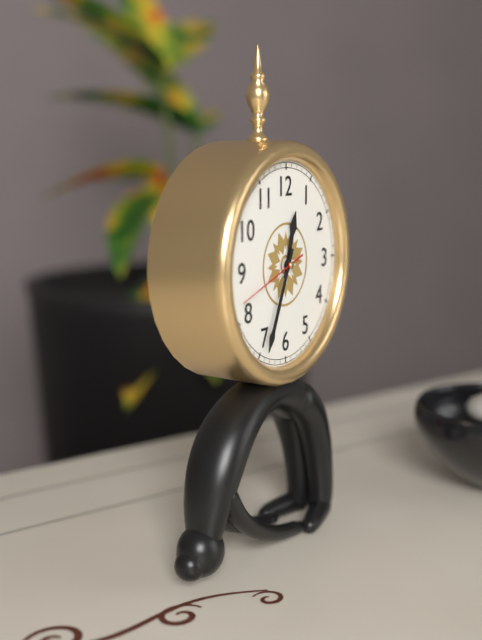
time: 12:34:42
